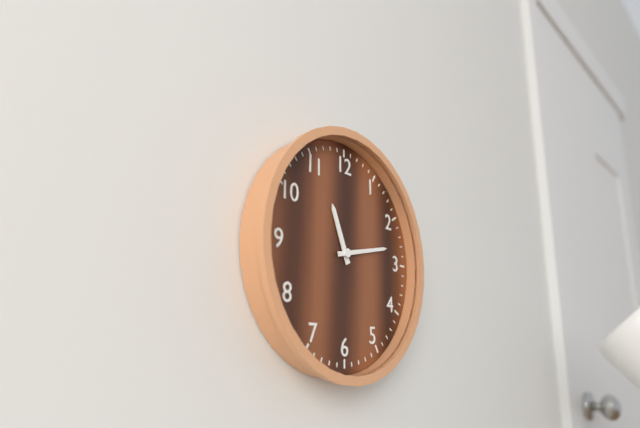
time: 11:13
